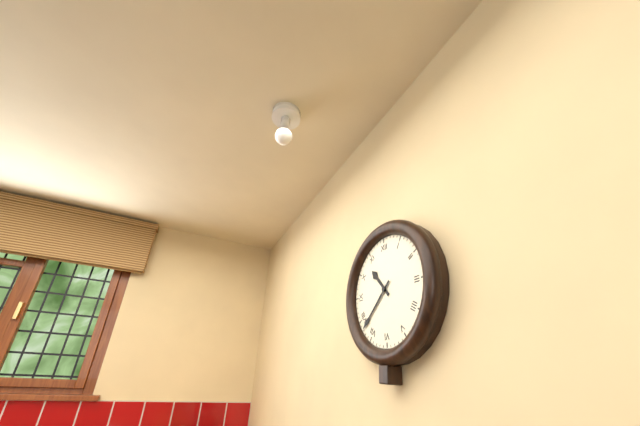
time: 10:38
